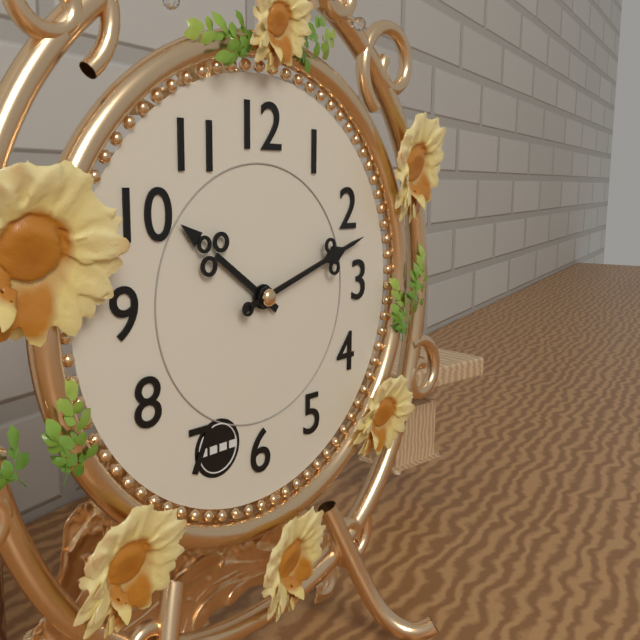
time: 10:12
